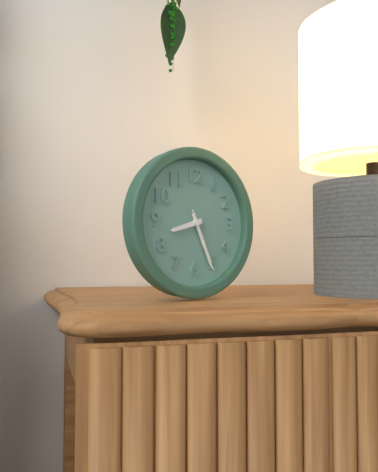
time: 8:26:26
